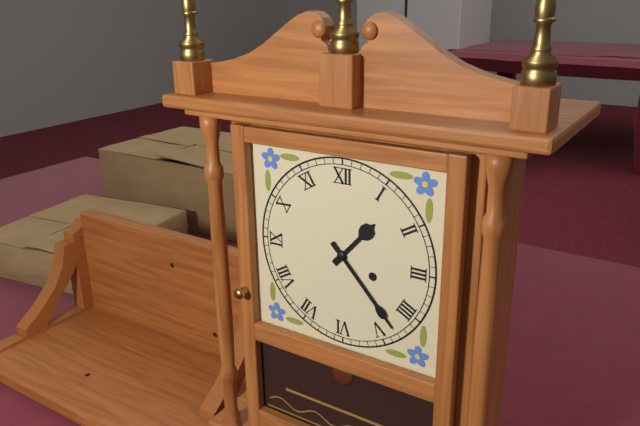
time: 1:23
